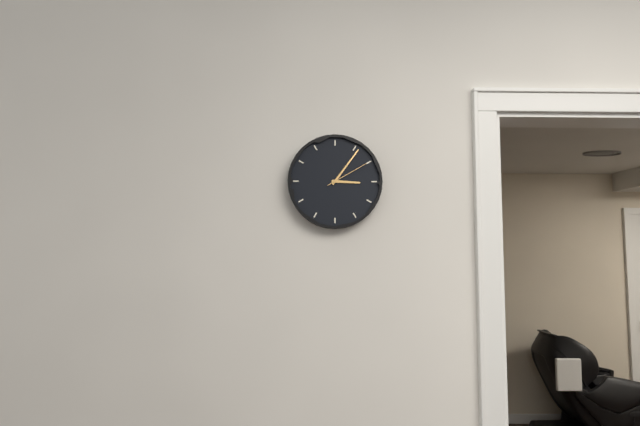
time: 3:06
